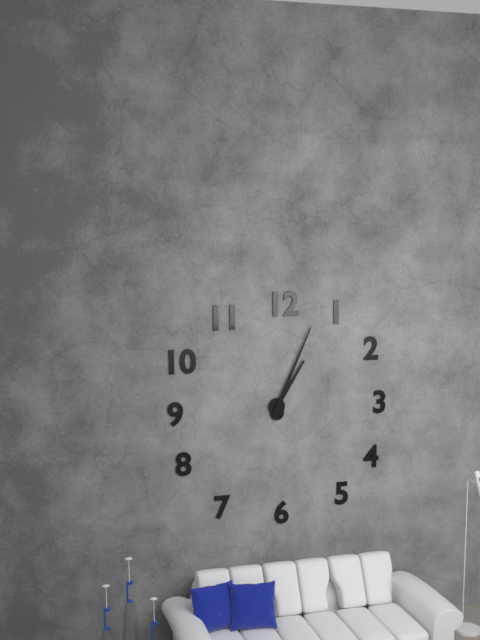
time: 1:04
